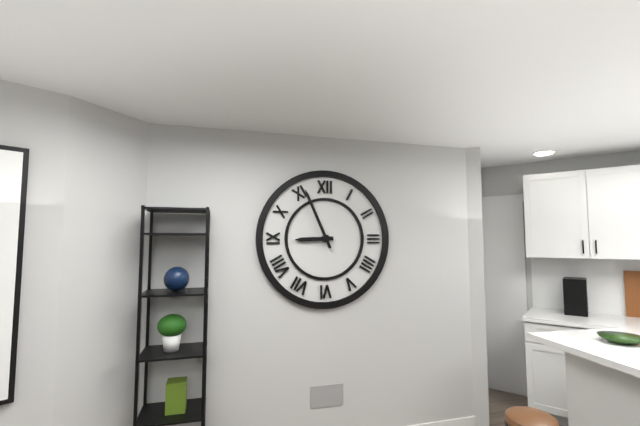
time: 8:56
